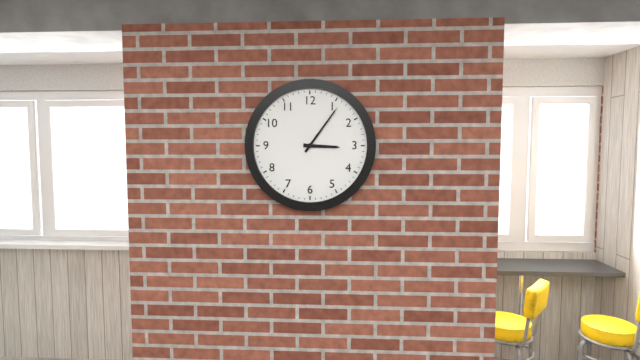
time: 3:06
